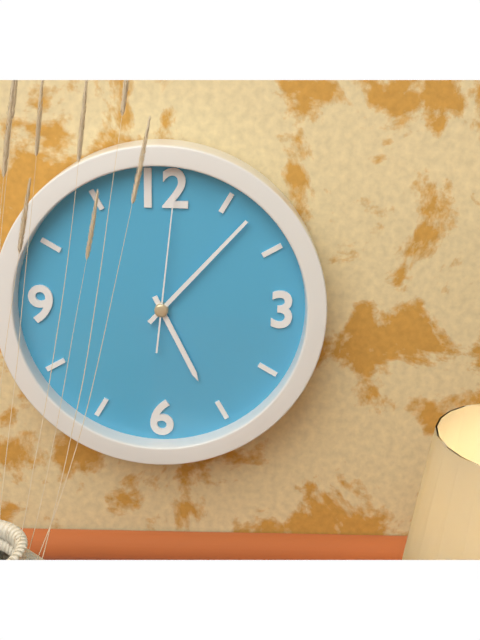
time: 5:07:01
